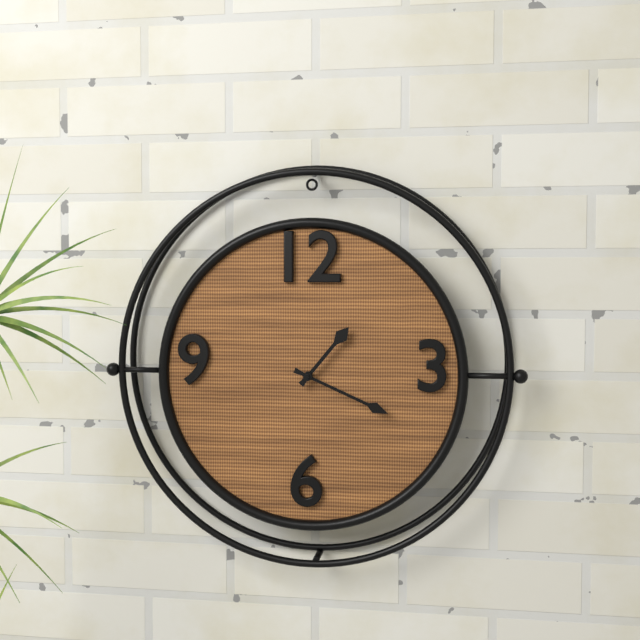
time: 1:19
